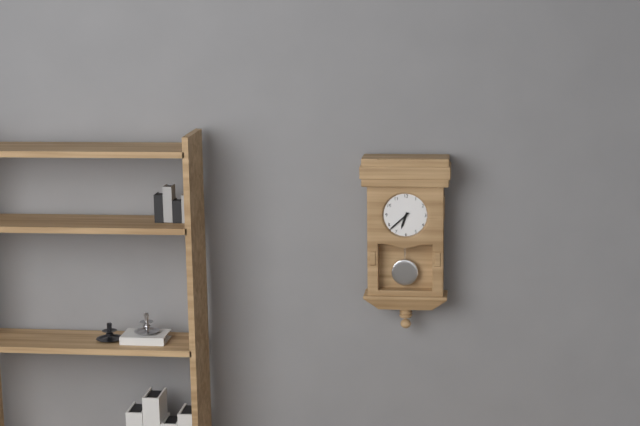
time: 6:38
